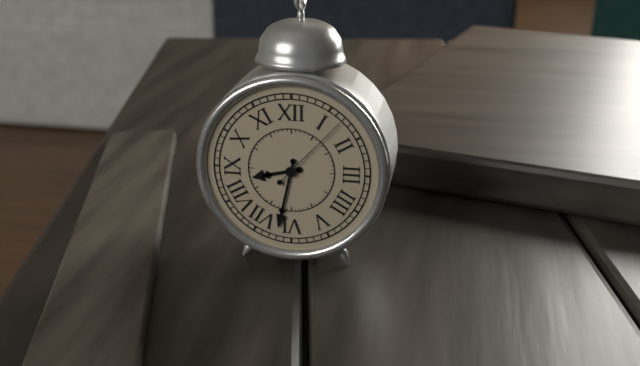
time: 8:32:07
